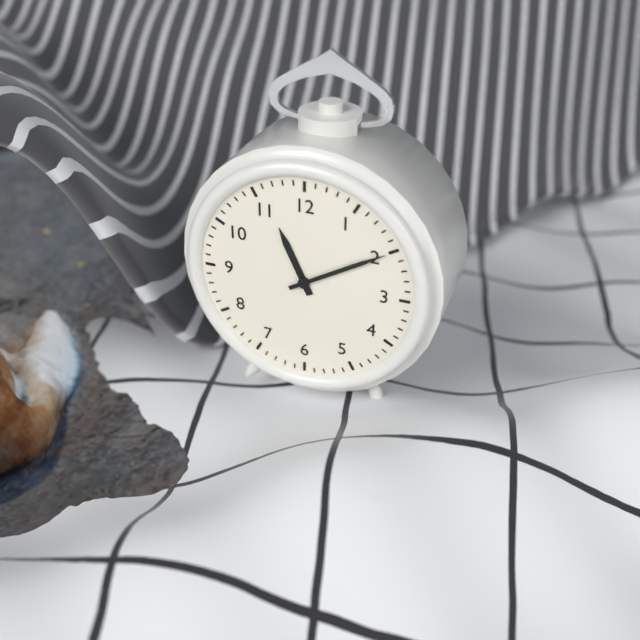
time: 11:10
